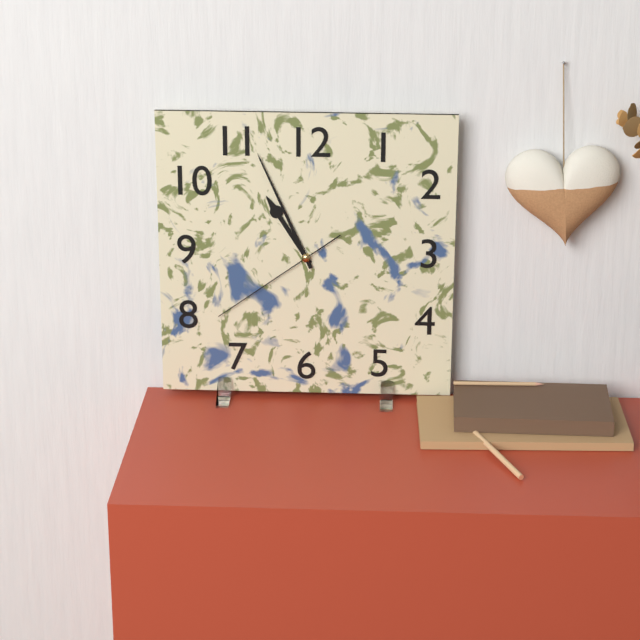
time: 10:56:39
